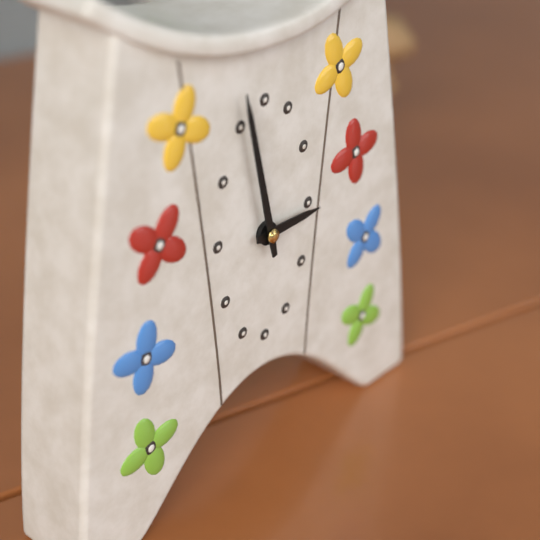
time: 2:58
